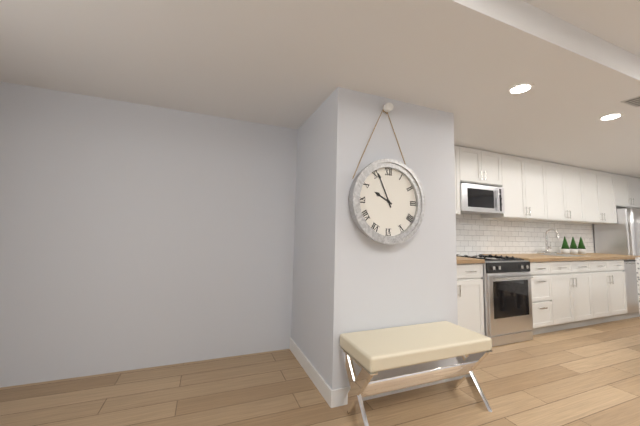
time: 9:56
